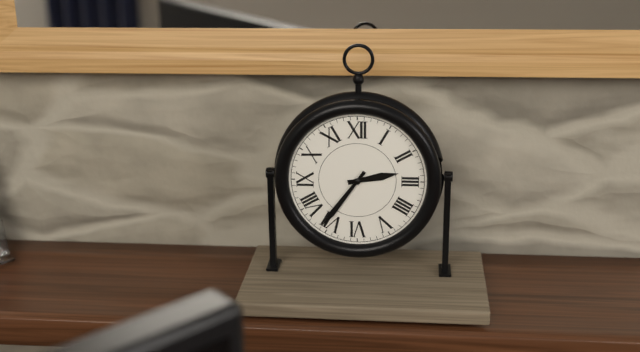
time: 2:36
